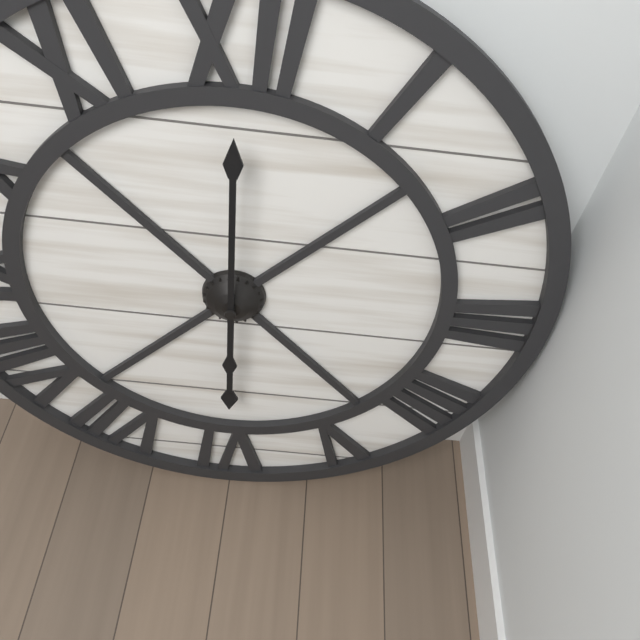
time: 6:00
